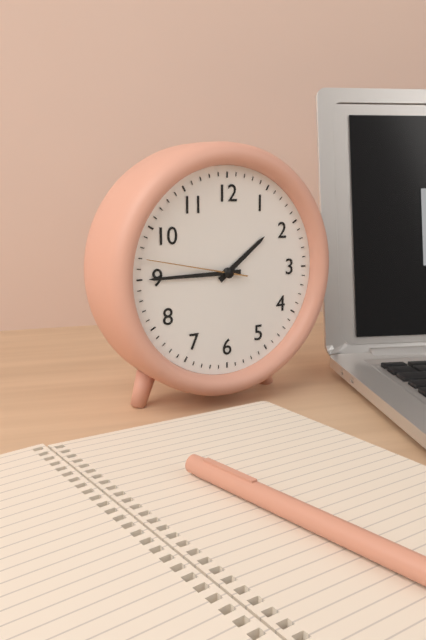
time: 1:45:47
